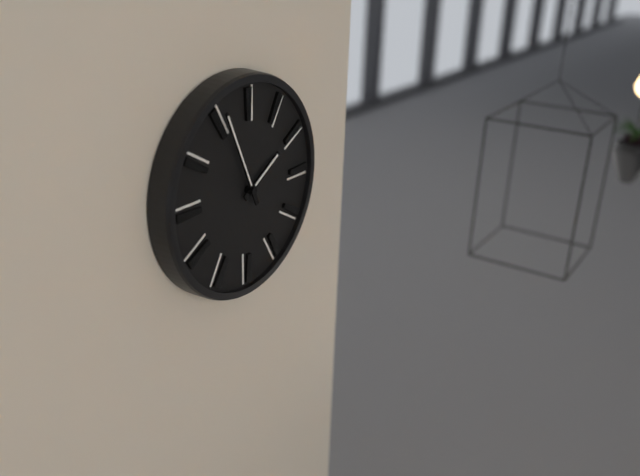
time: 1:56
